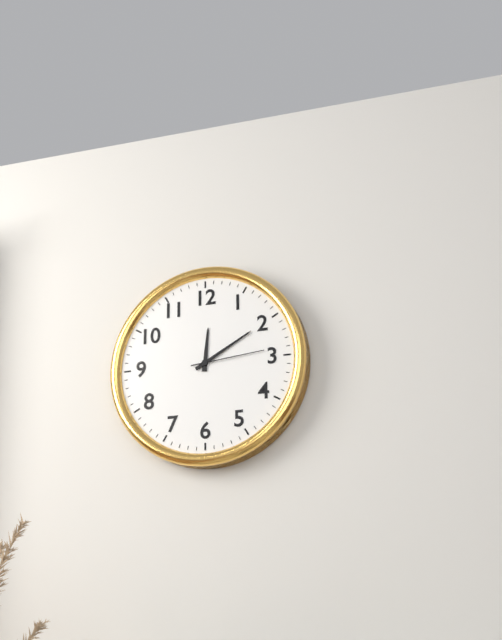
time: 12:10:14
